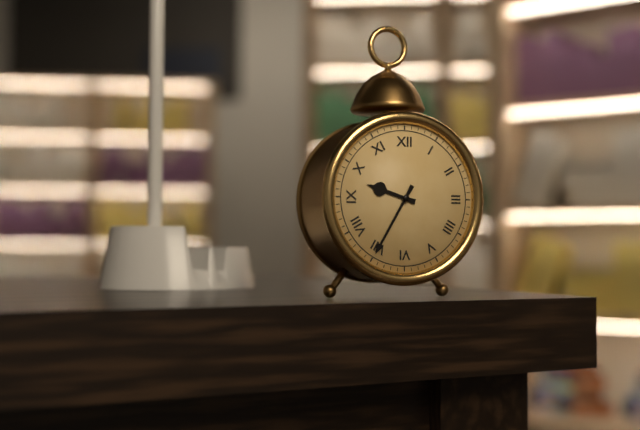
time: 9:35
